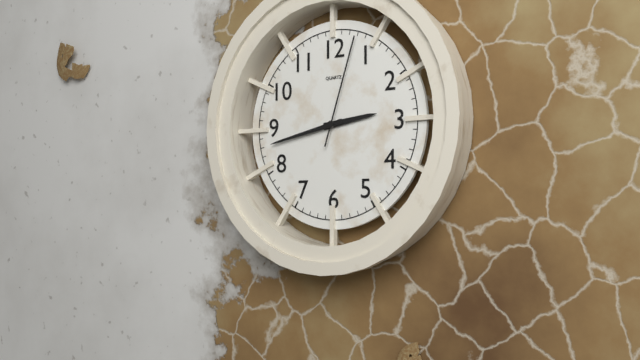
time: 2:43:03
